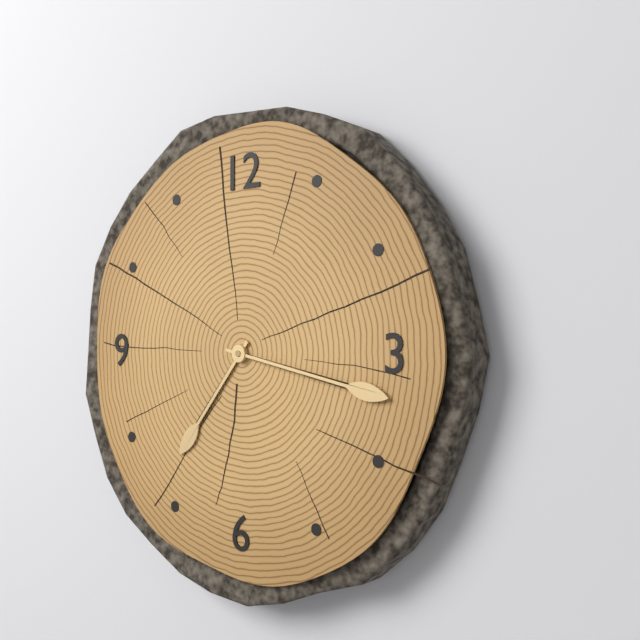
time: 7:17
